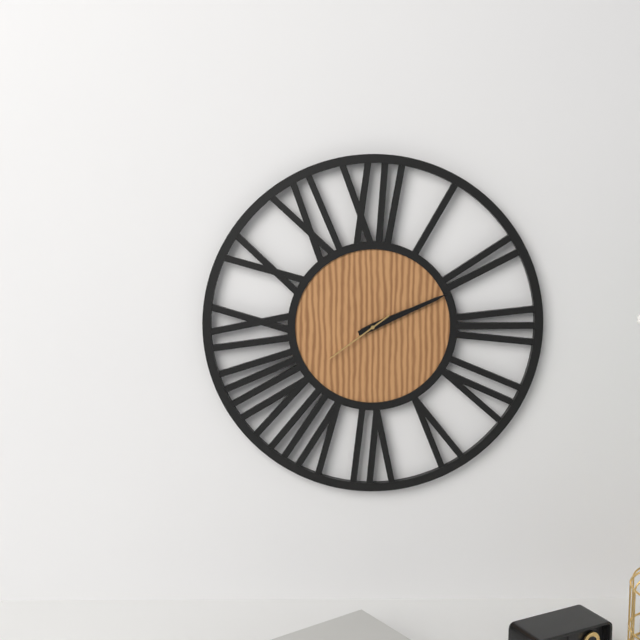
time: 2:11:39
